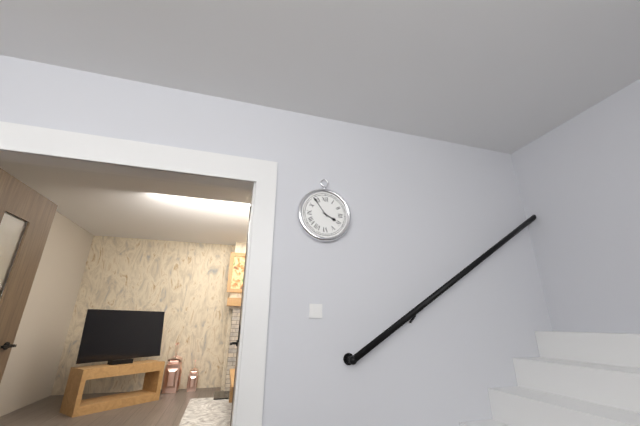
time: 3:54
